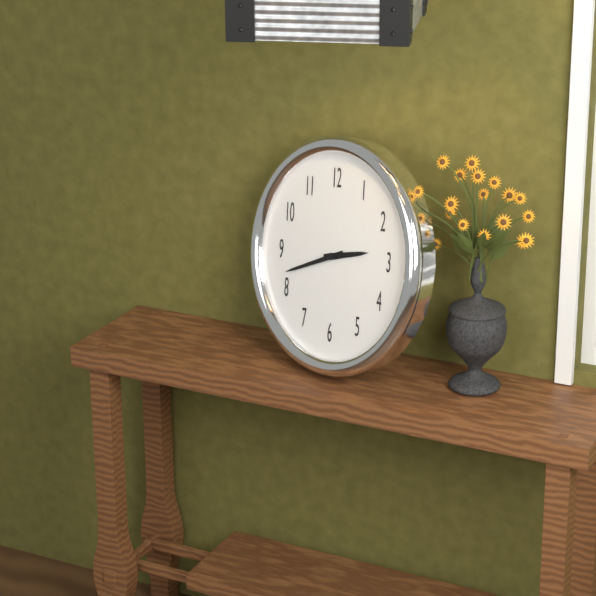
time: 2:42
